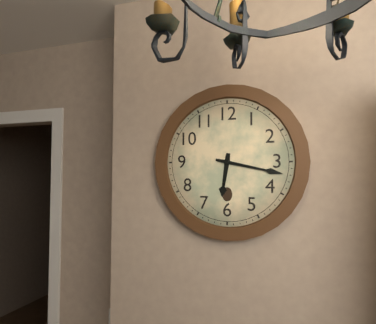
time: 6:17
